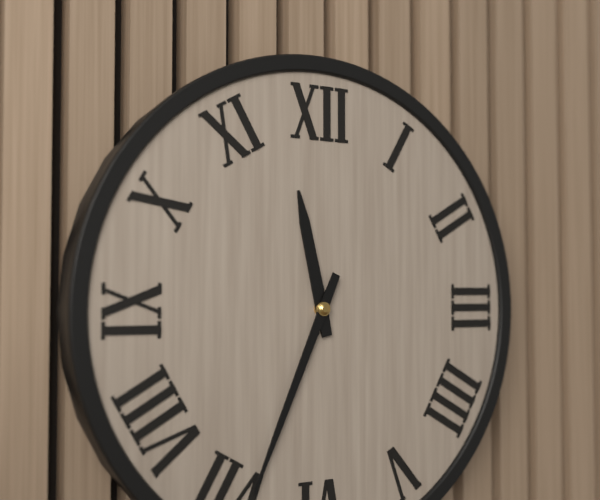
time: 11:34
